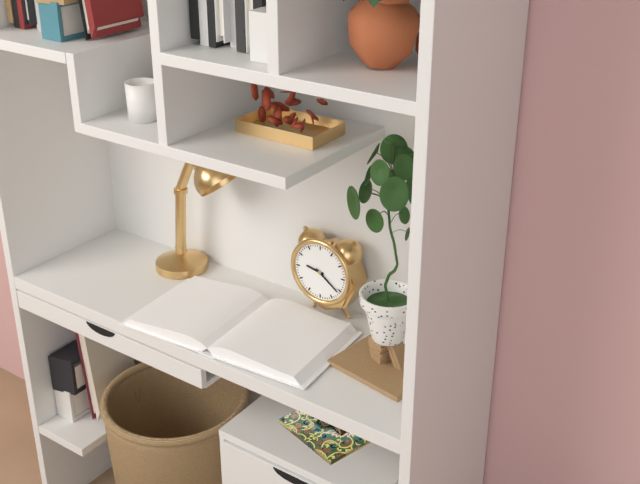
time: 9:21
